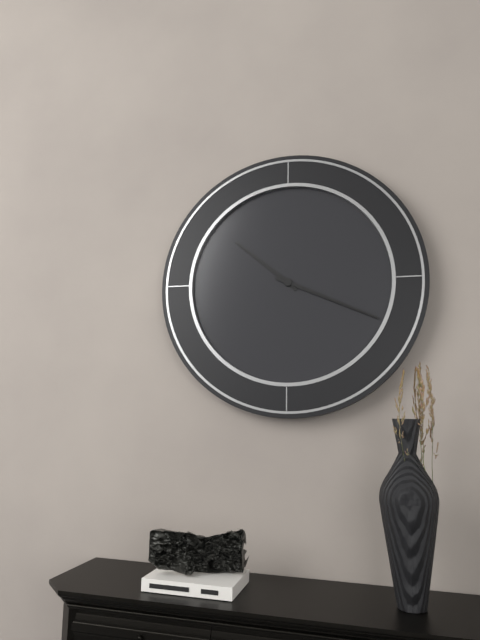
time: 10:19
